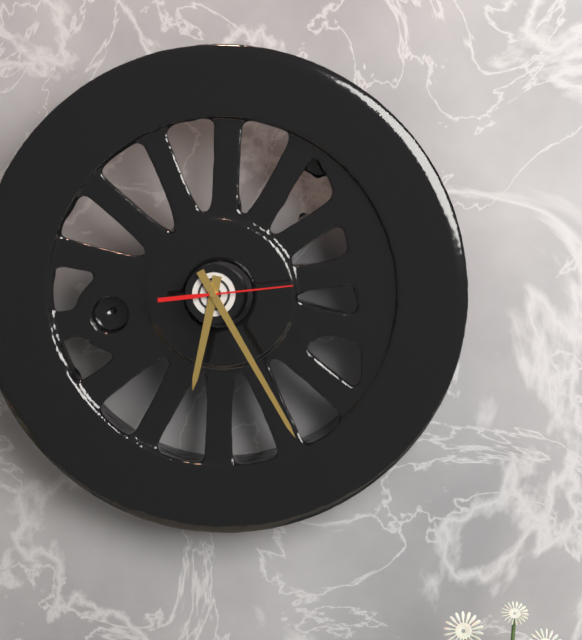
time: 6:25:14
